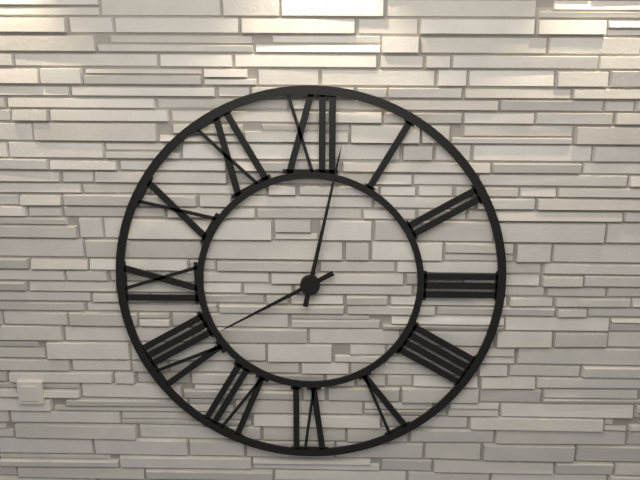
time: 8:02
